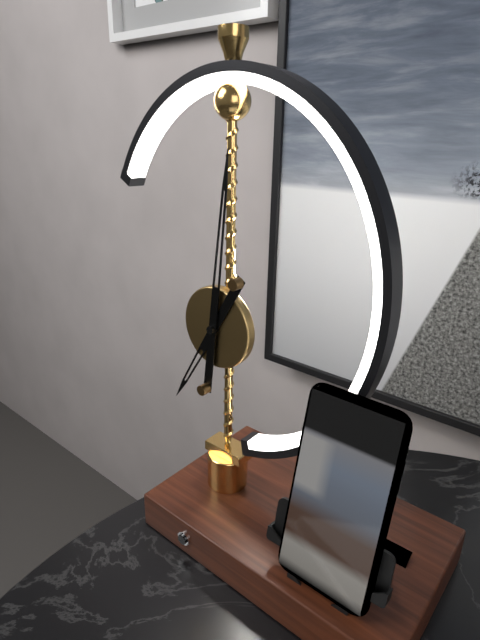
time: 7:01
